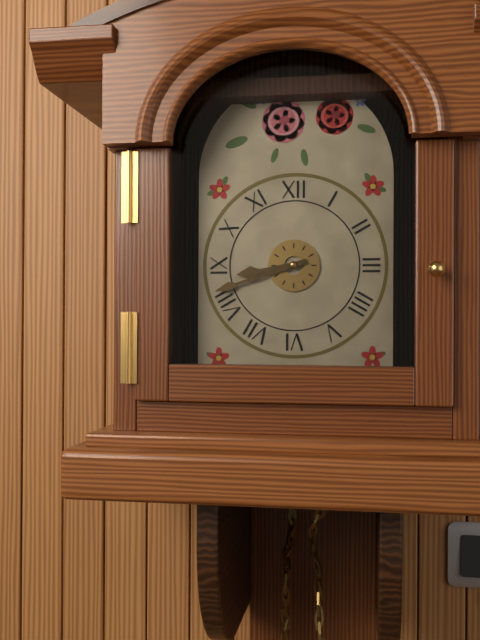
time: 8:42
